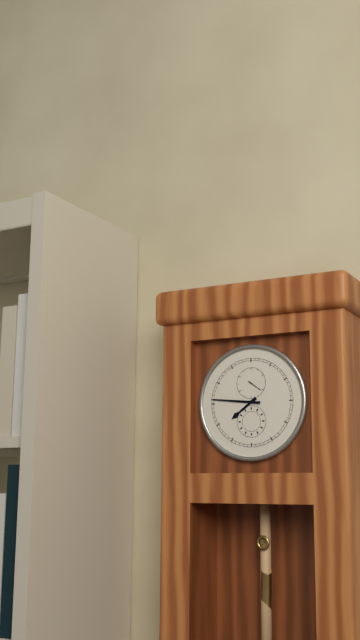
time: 7:46
